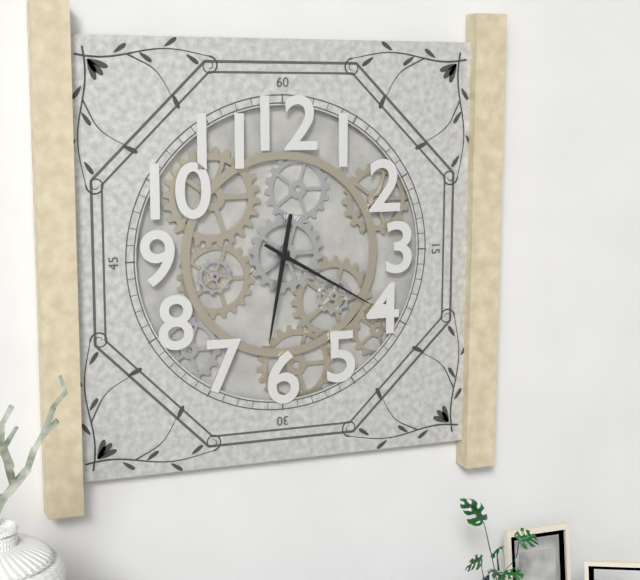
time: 6:20
